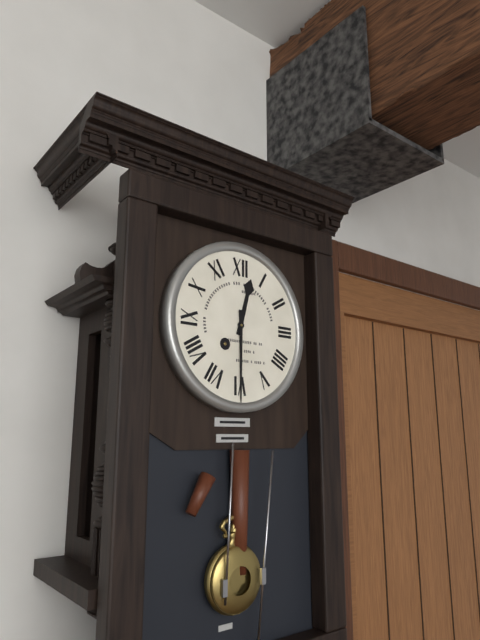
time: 12:30
